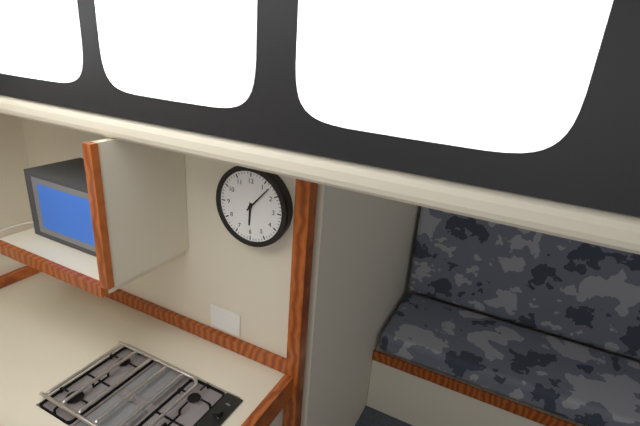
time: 6:07
